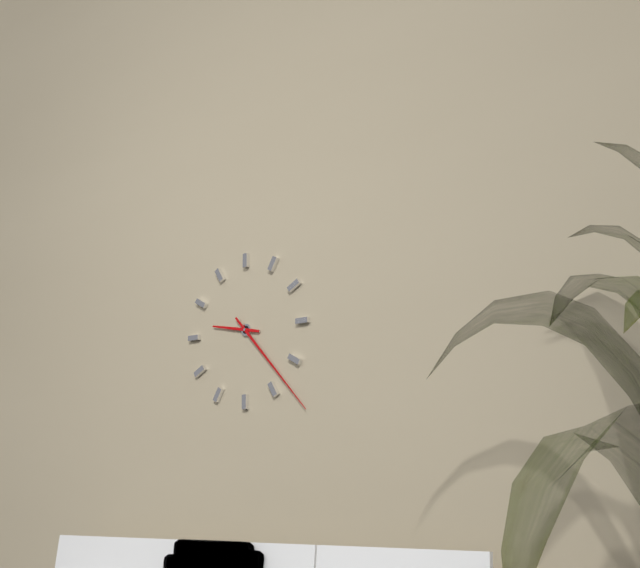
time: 9:23
